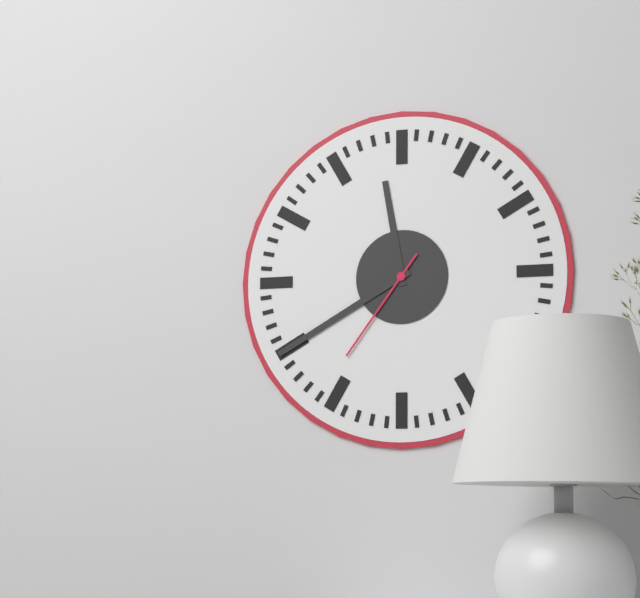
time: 11:40:36
